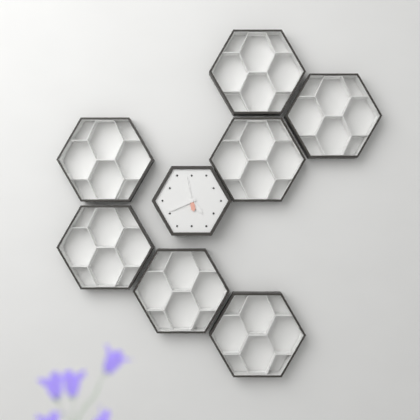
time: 4:41
